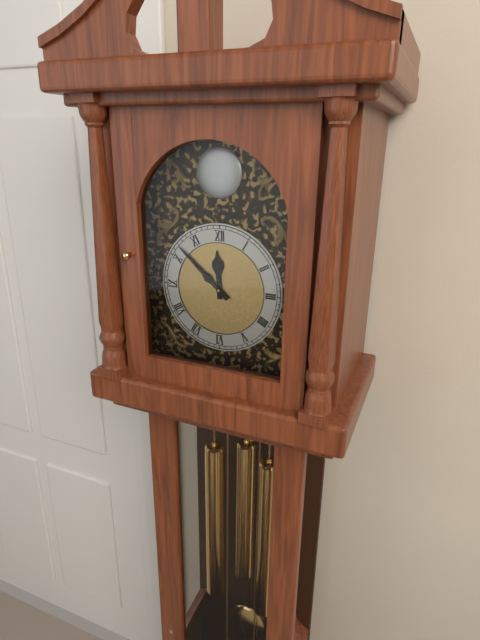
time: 11:52
